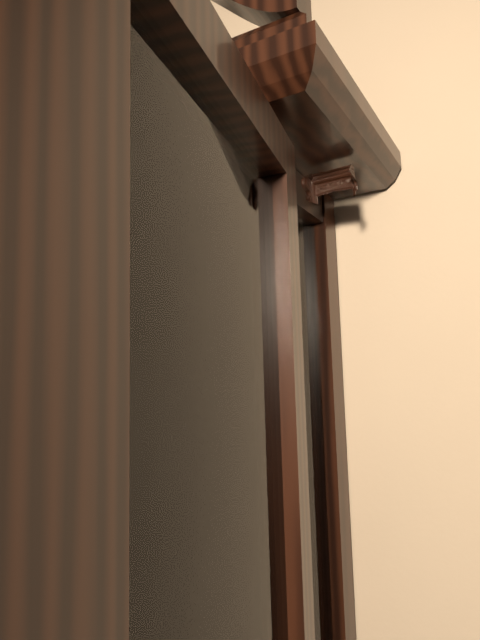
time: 12:32
